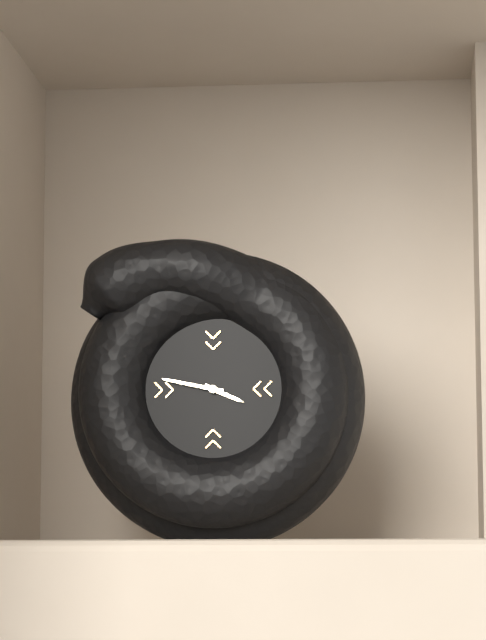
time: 3:47
